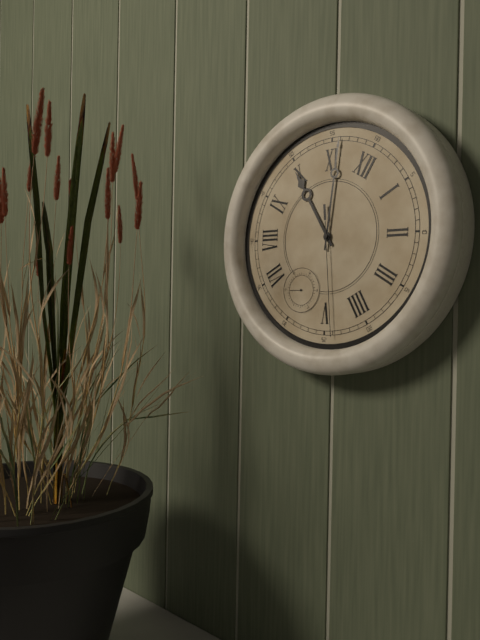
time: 9:56:24
